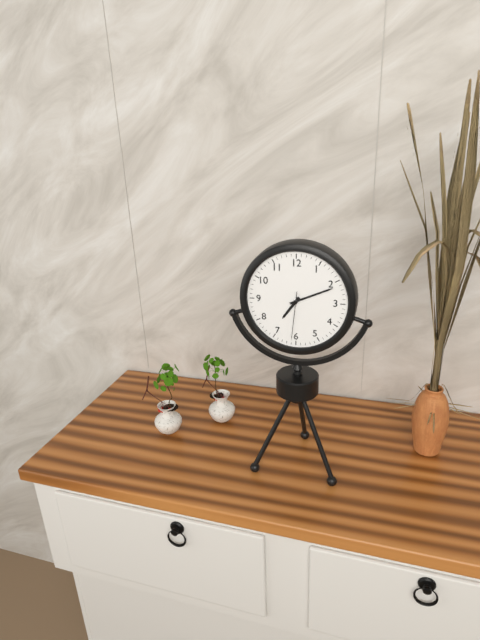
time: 7:11
